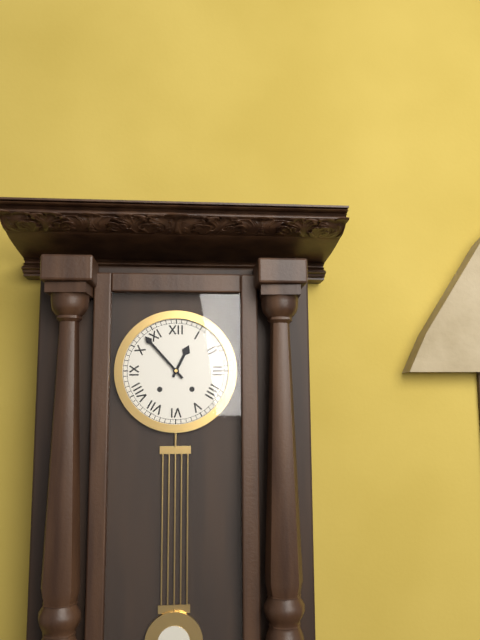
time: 12:53
